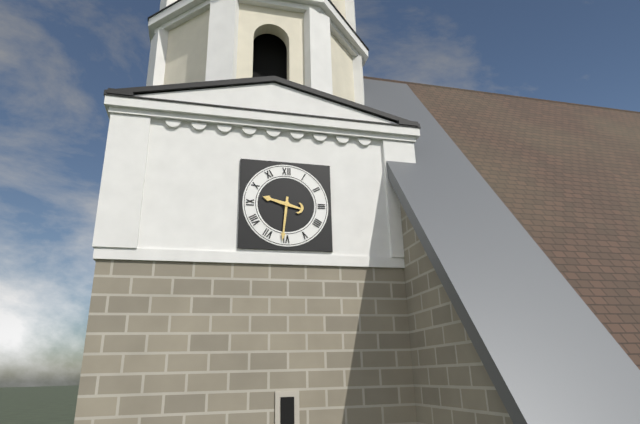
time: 9:31
